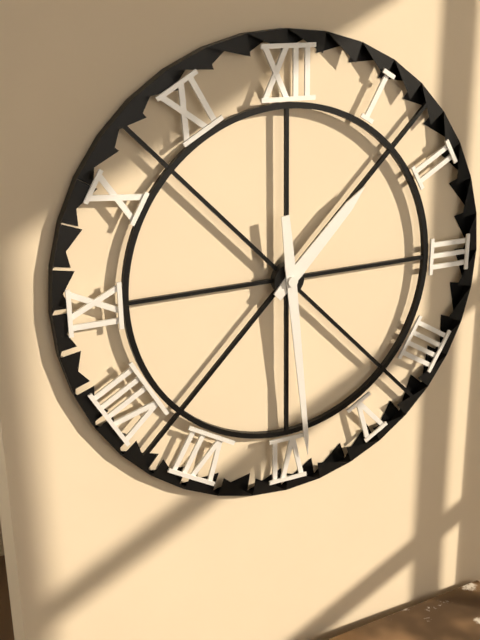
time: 1:29
